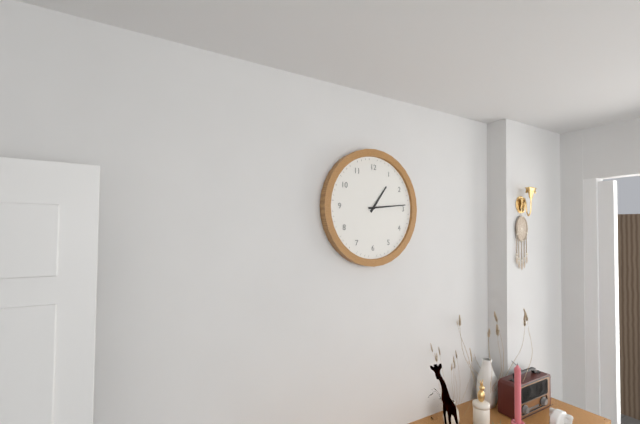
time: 1:14
